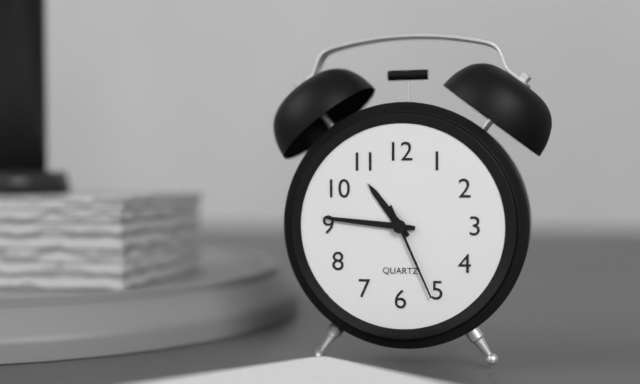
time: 10:46:26
